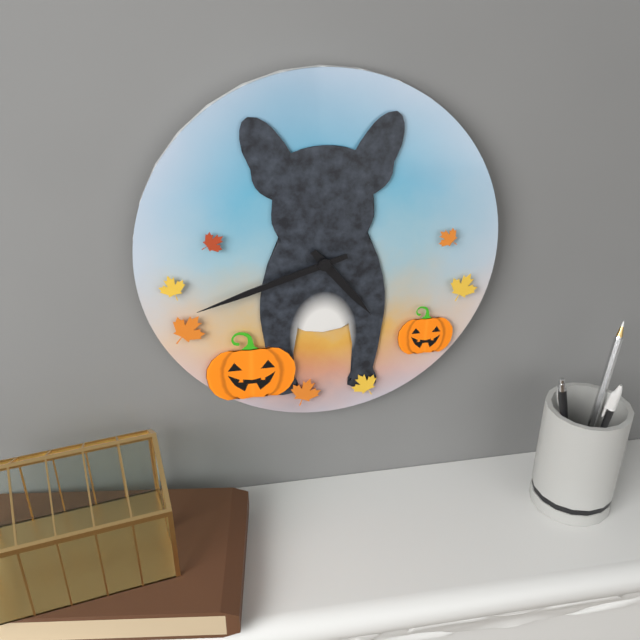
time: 4:42
